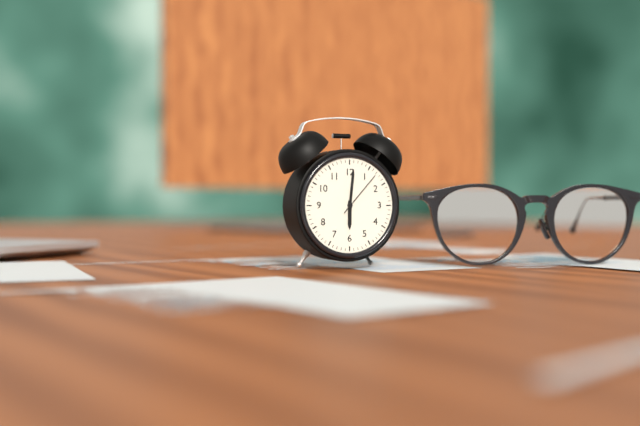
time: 6:01
